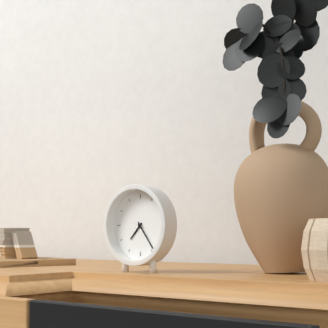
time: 7:24
